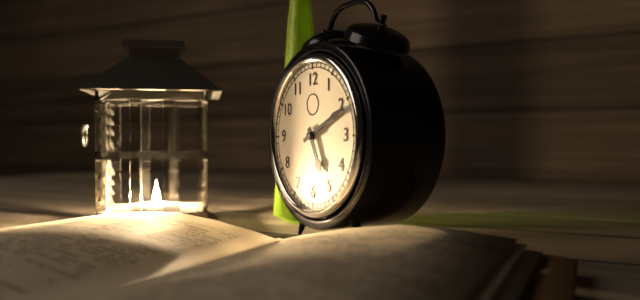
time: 5:11
